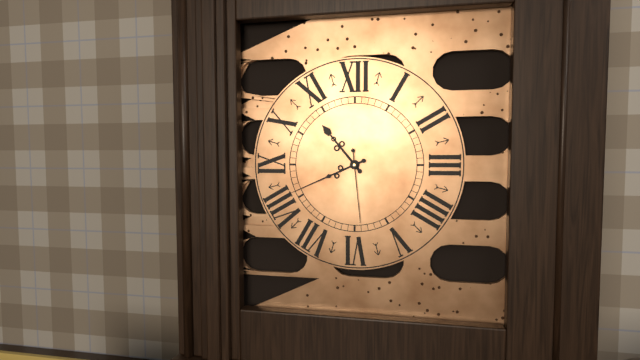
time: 10:41:29
